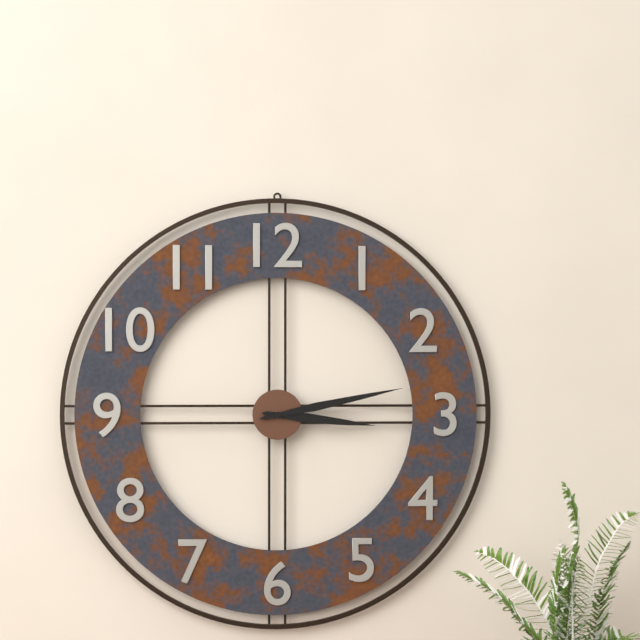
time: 3:13
